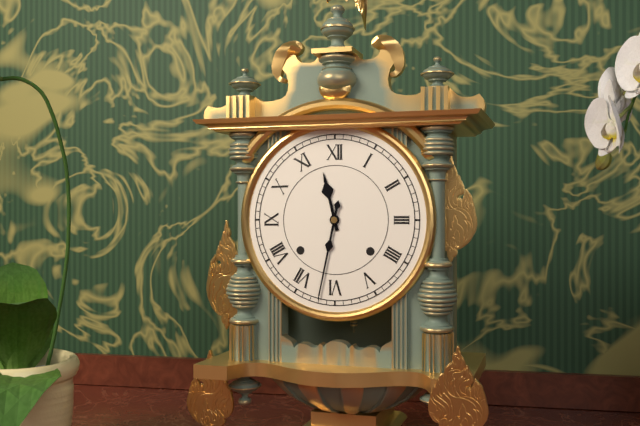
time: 11:32
